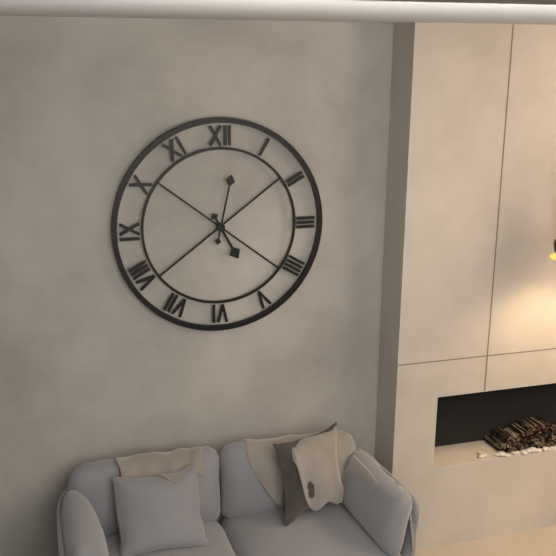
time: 5:02
